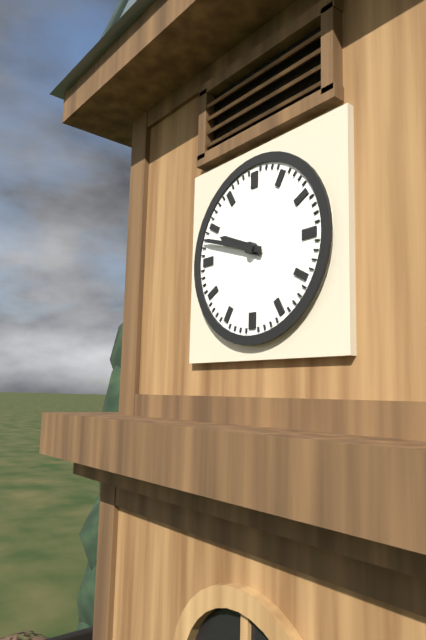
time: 9:48
